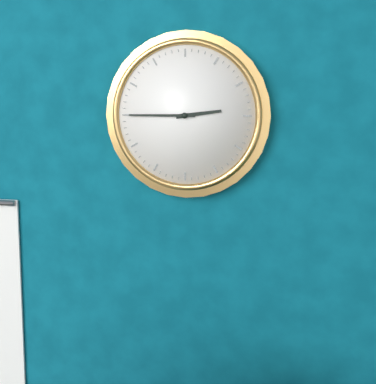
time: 2:45
